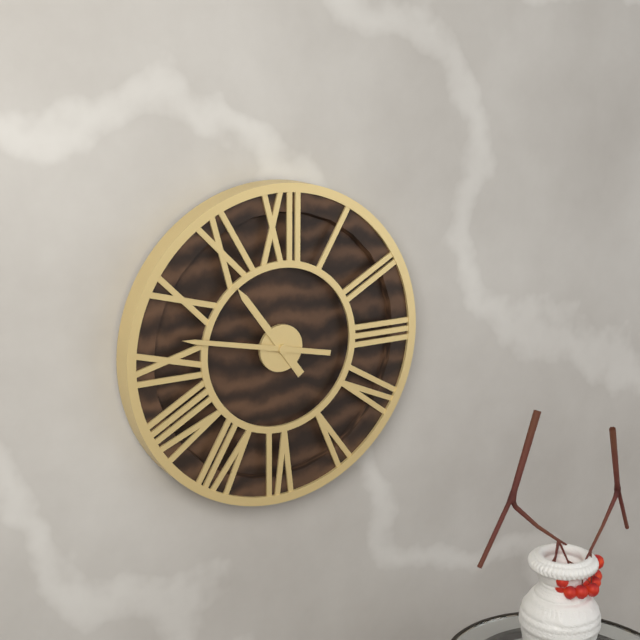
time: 10:47
